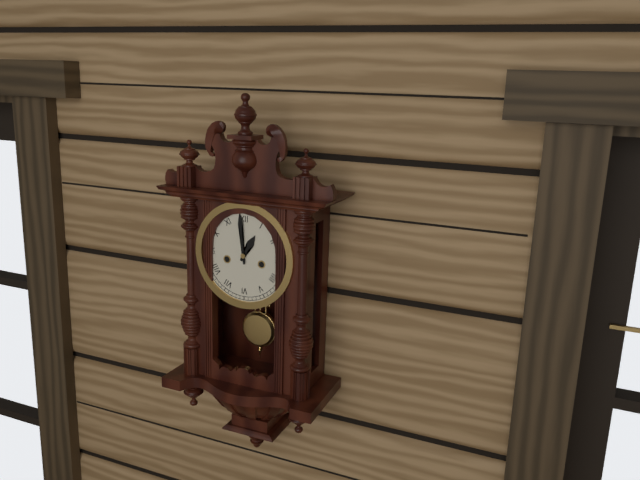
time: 12:59
